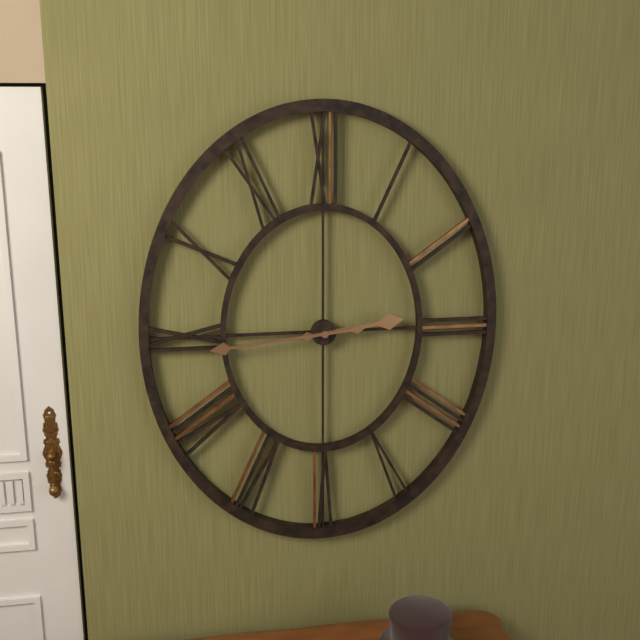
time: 2:44
